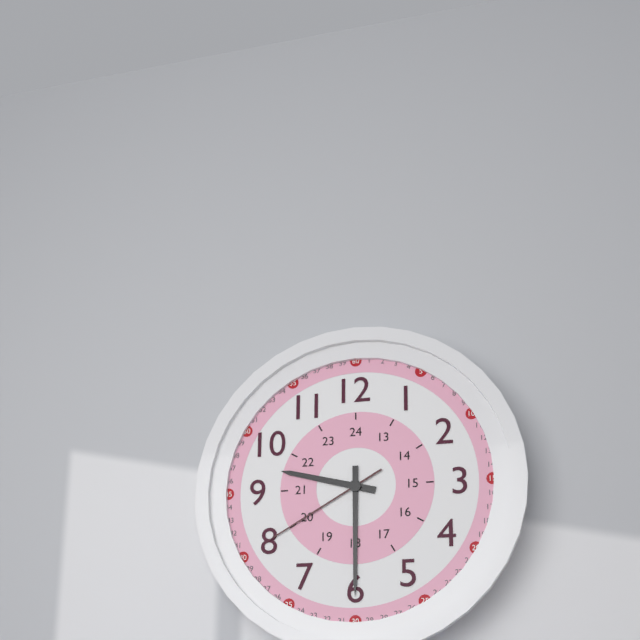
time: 9:30:40
